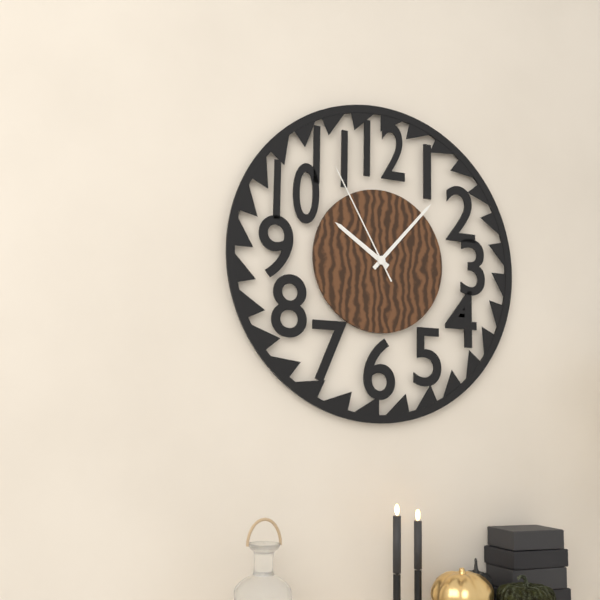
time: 10:07:55
